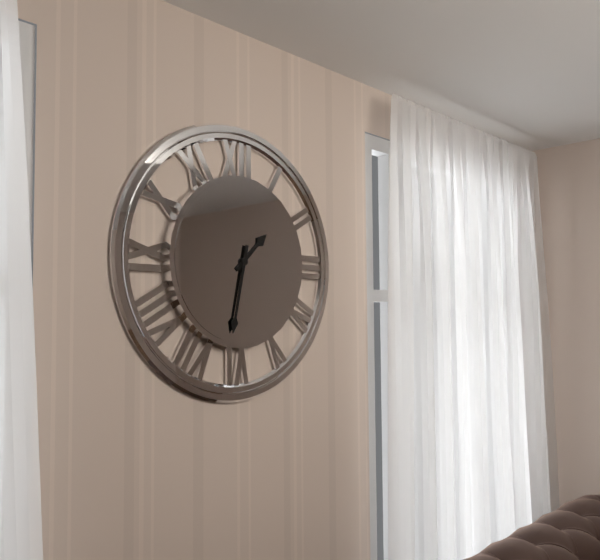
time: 1:32
